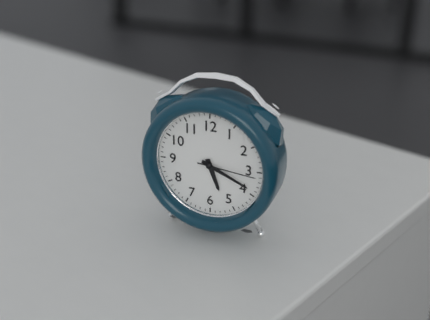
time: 5:19:16
